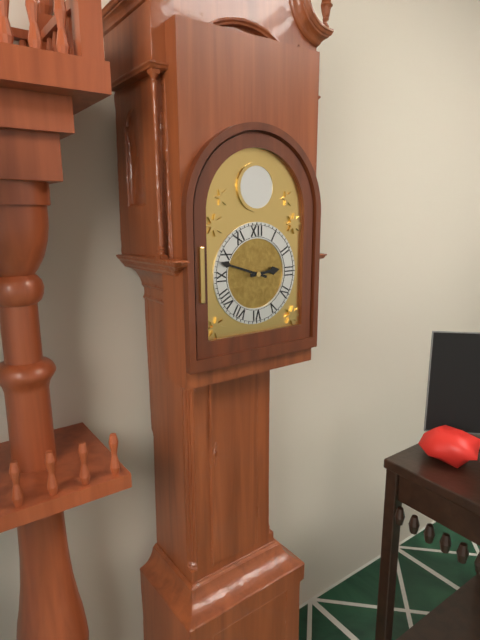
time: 2:48
